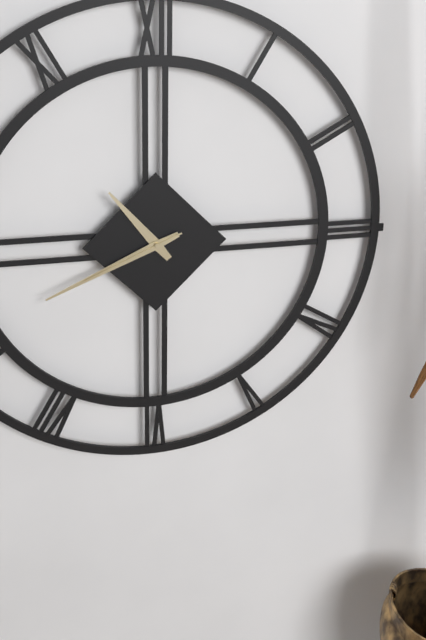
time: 10:41:41
